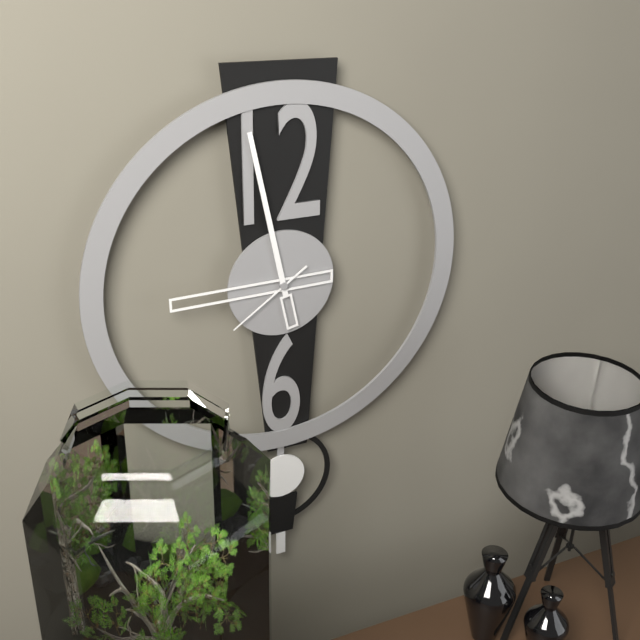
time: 8:58:39
